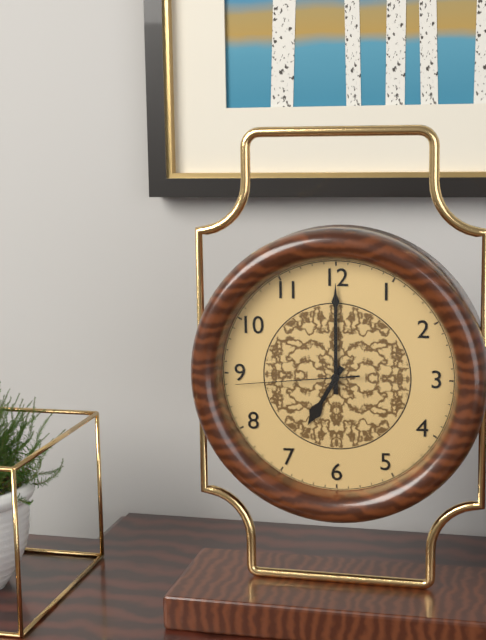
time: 7:00:44
